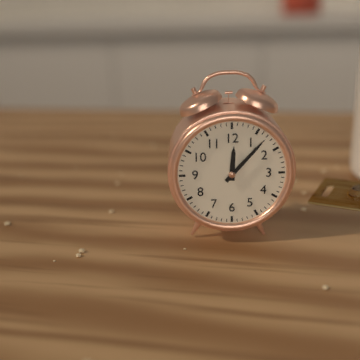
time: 12:07
